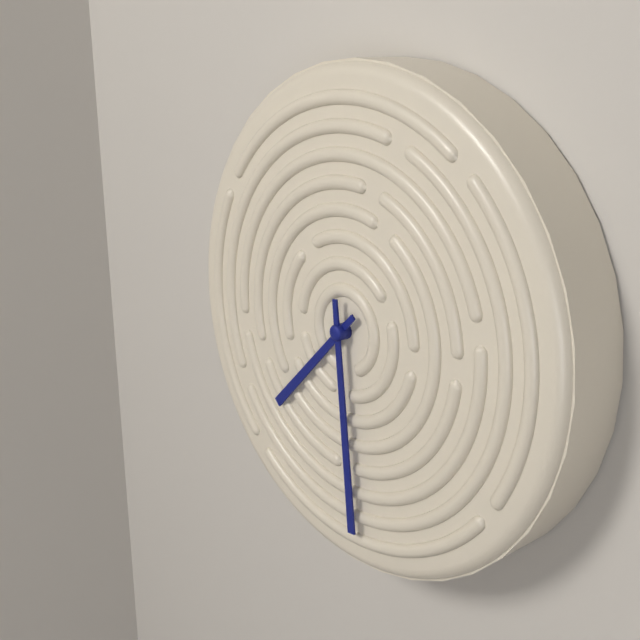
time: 7:29
